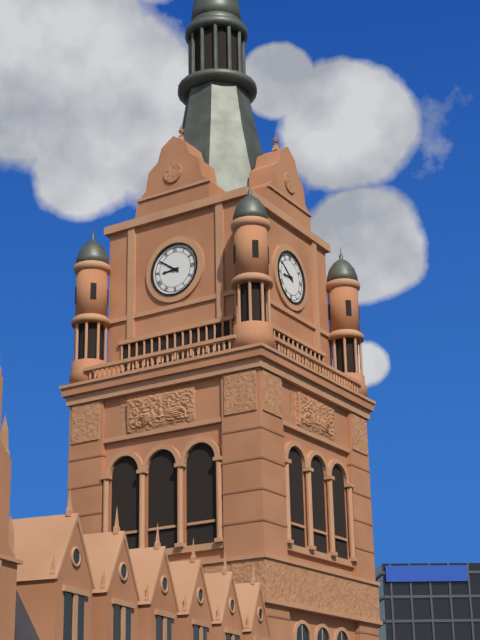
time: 8:51
